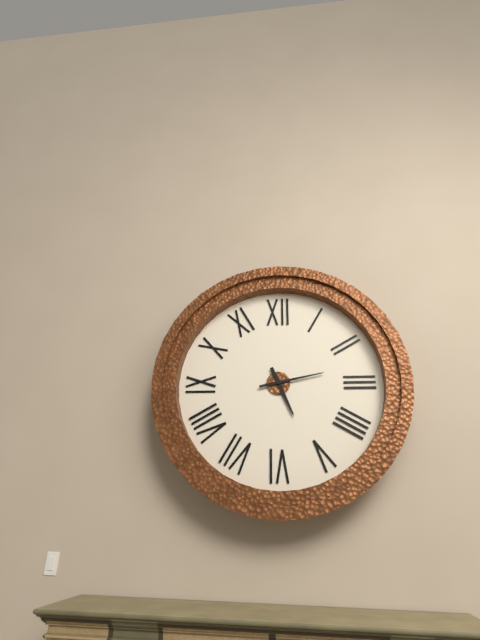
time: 5:13
